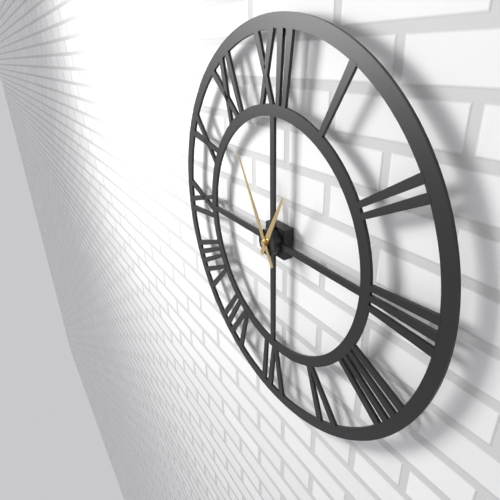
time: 12:55
